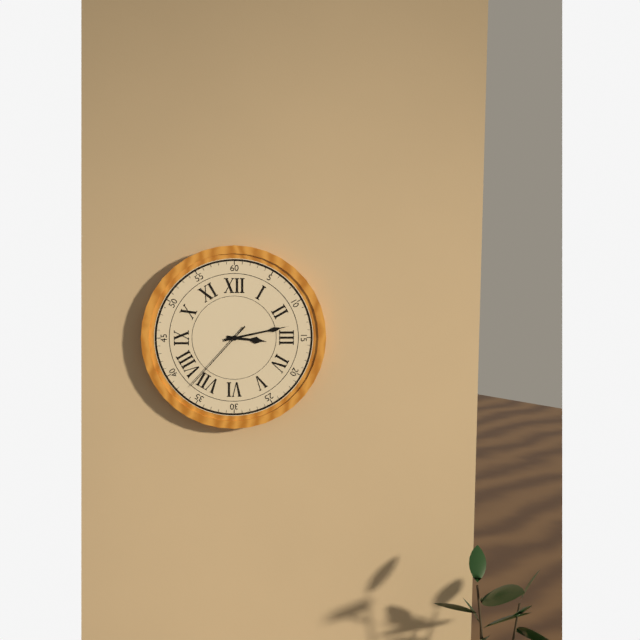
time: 3:13:37
